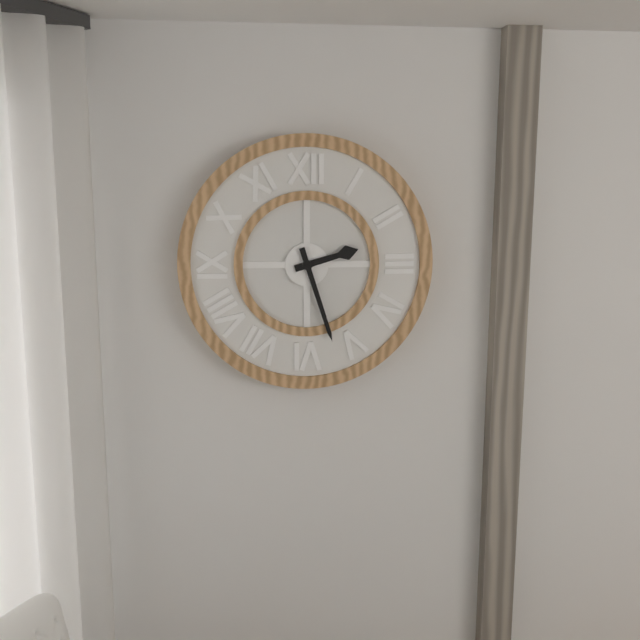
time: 2:27
